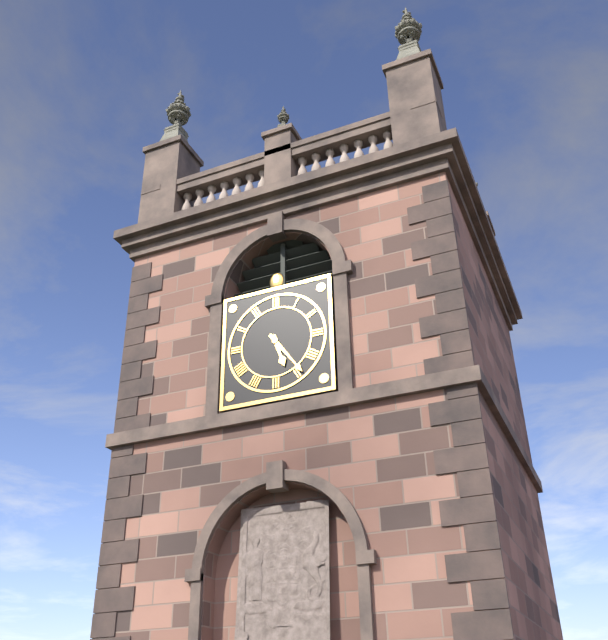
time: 5:24
